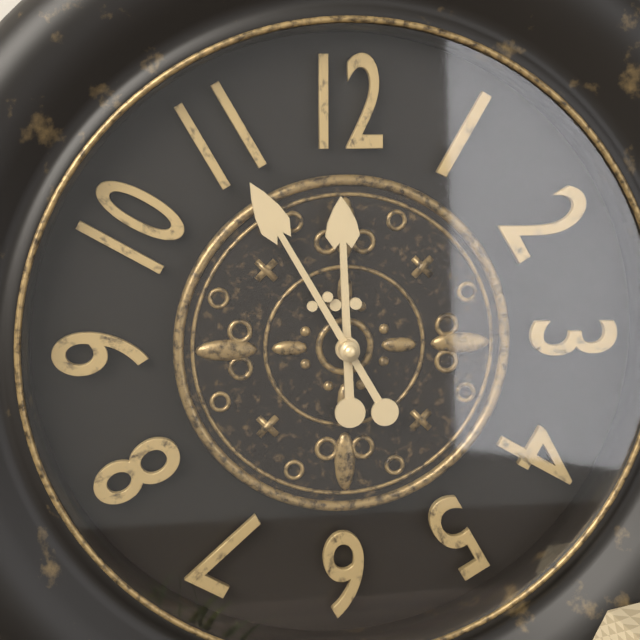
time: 11:55
